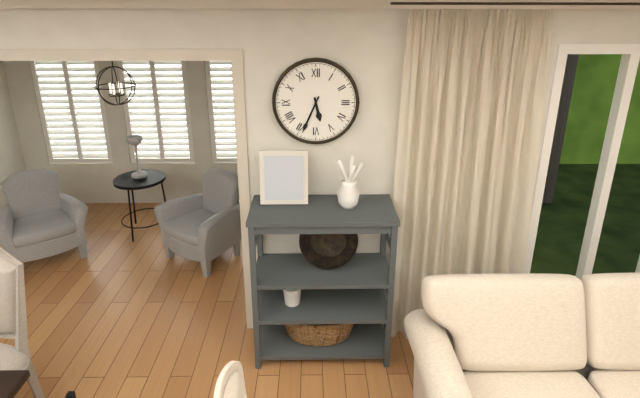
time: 5:34
